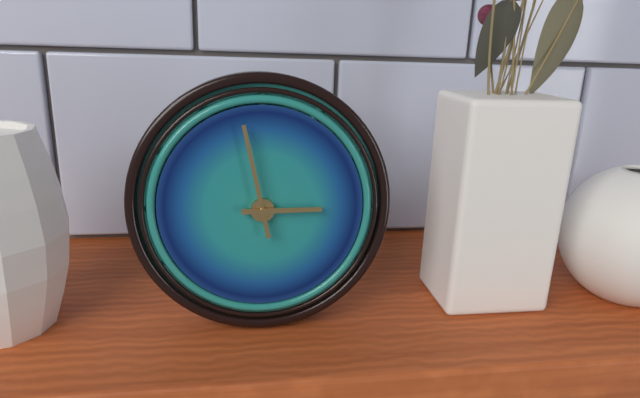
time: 2:58
